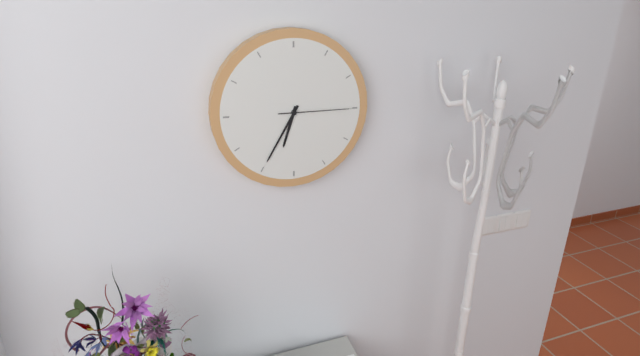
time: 6:35:15
